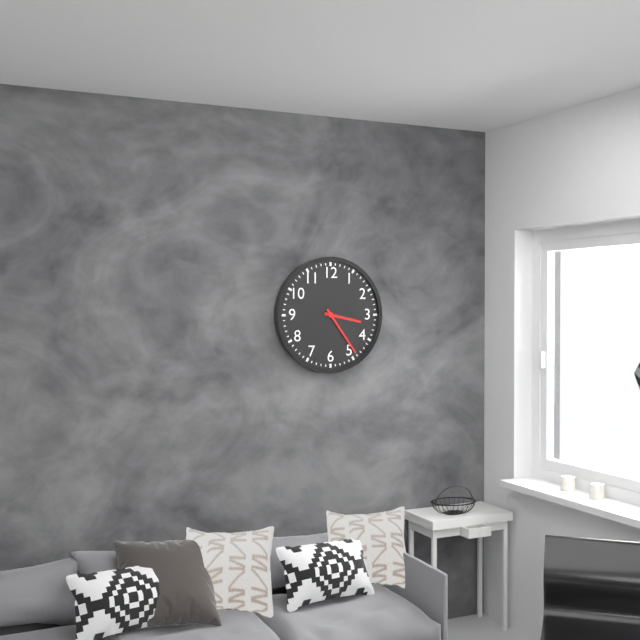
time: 3:24
